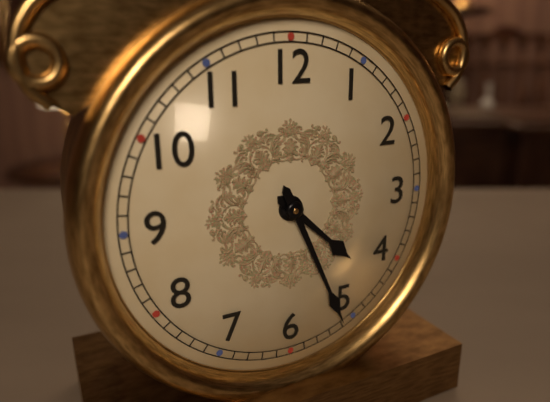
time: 4:26
